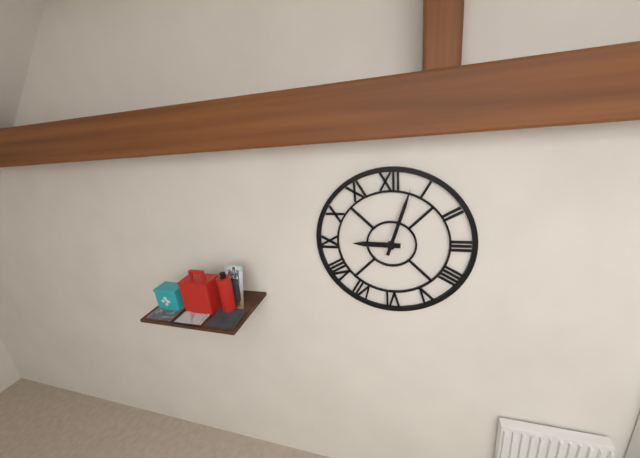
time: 9:03
